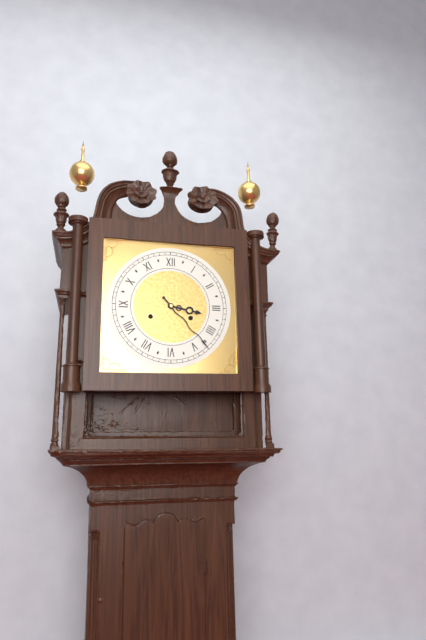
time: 3:23
